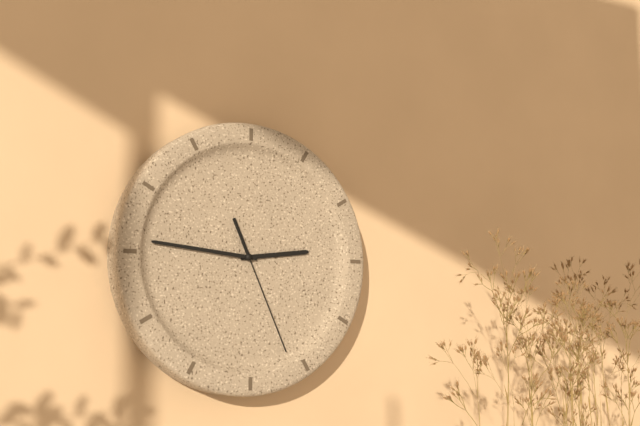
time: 2:46:26
